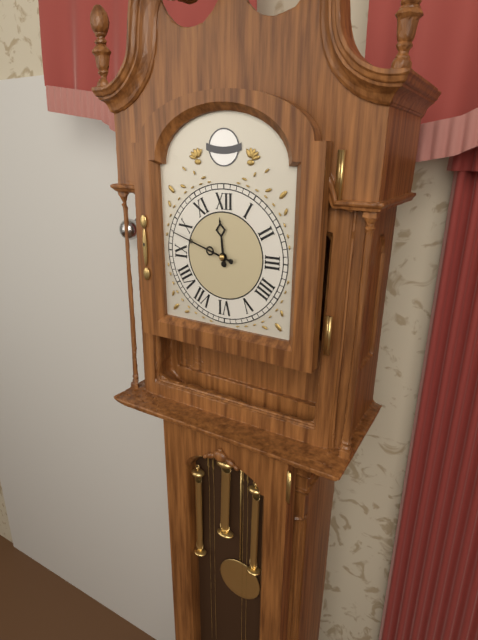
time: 11:48
